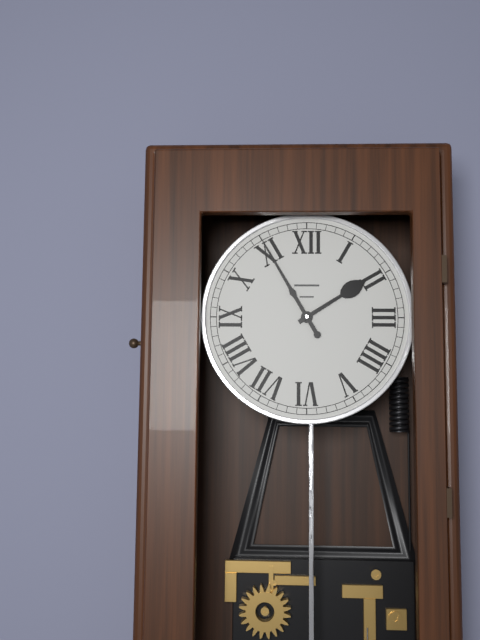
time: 1:55
